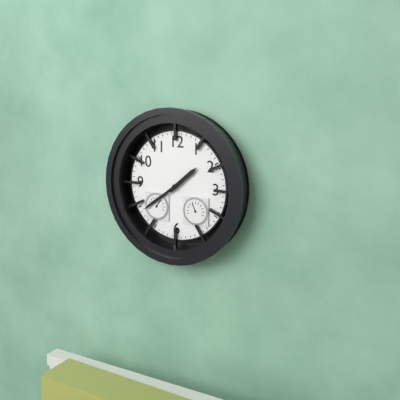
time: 1:39
